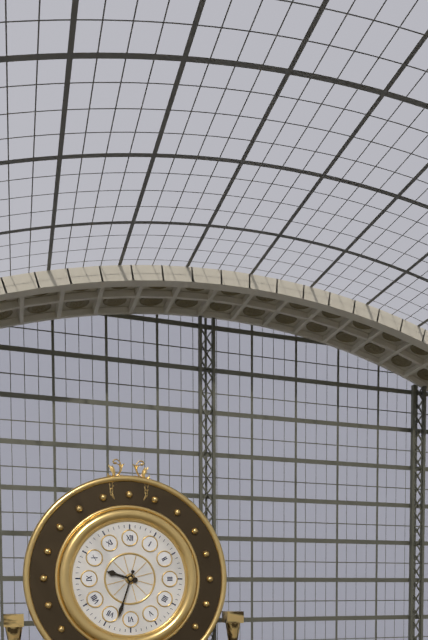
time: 9:33
